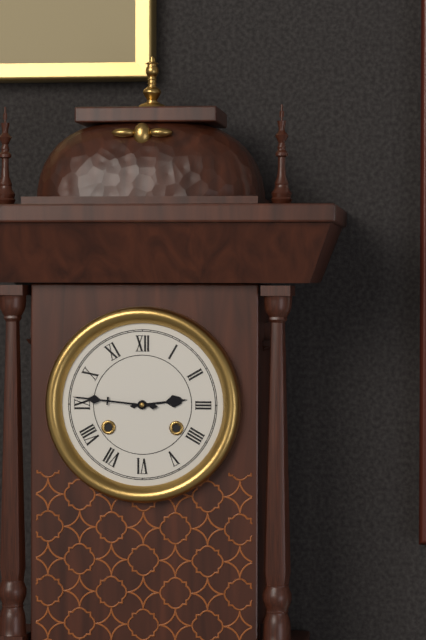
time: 2:46
